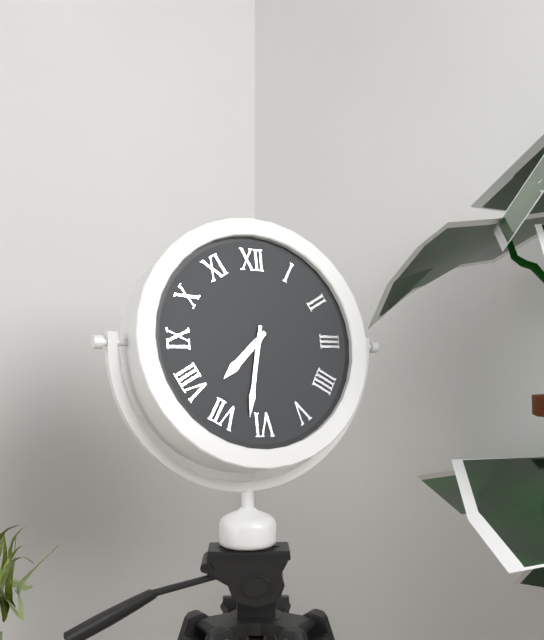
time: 7:32
